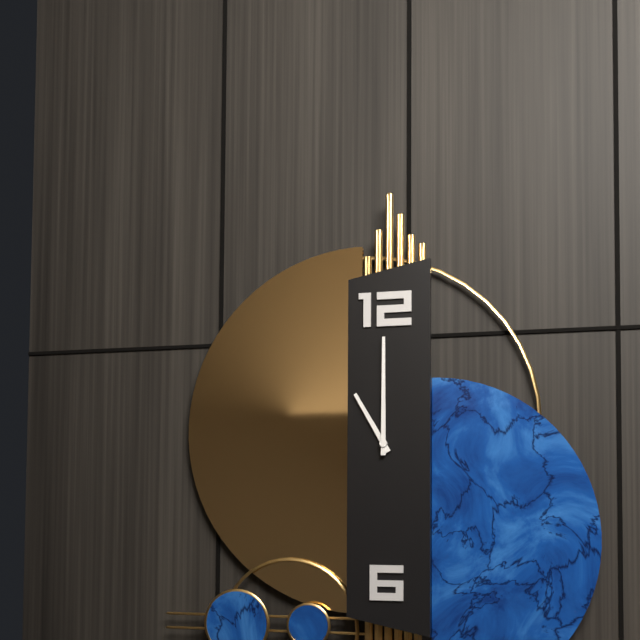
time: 11:00
